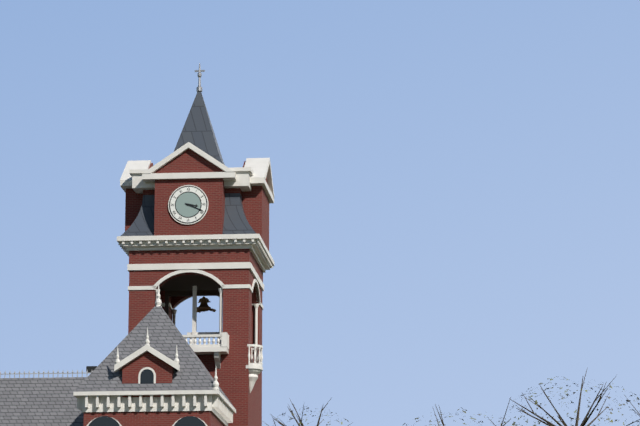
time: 3:19
